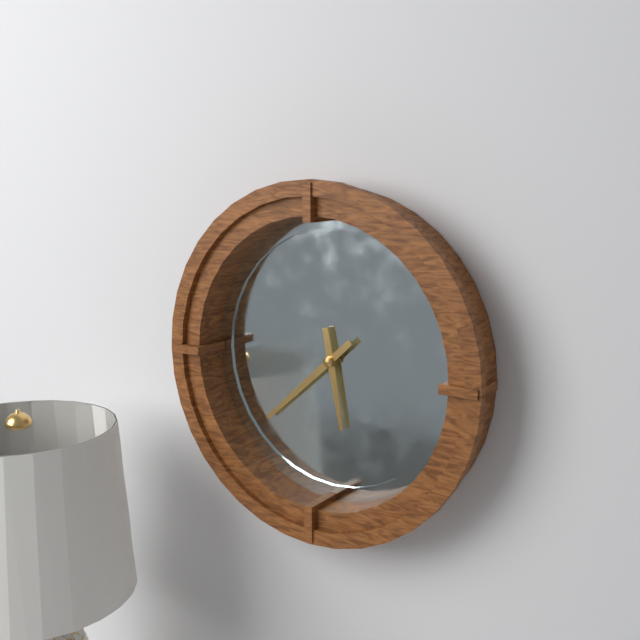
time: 5:38
